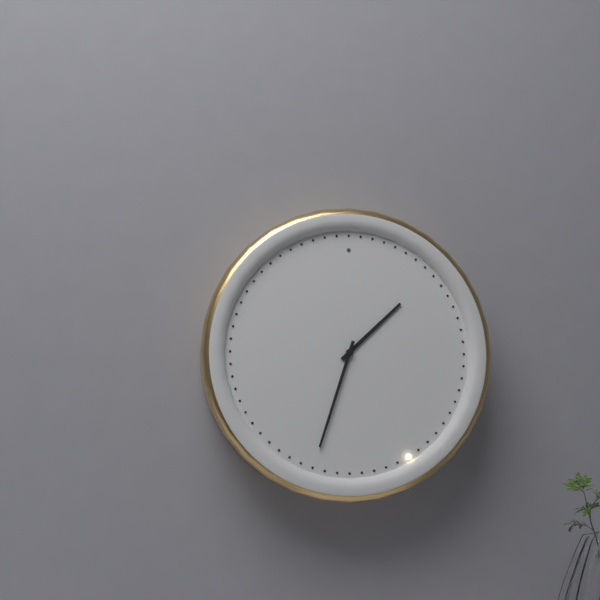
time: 1:33
